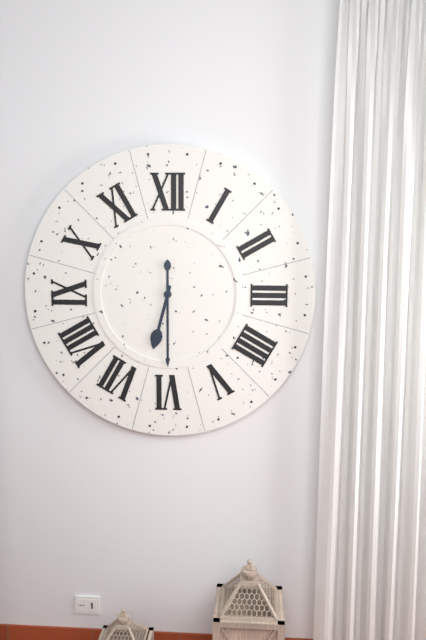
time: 6:30
